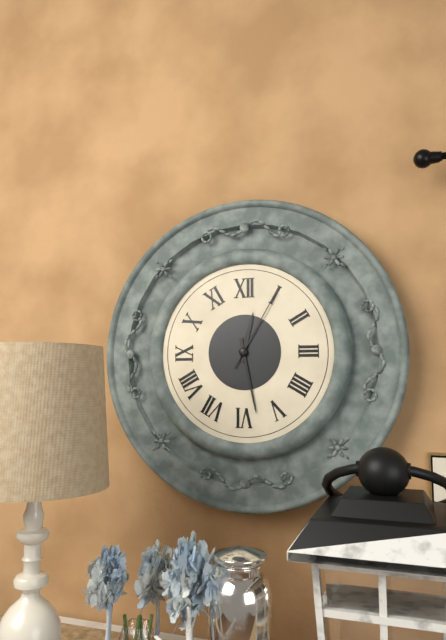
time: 12:28:05
